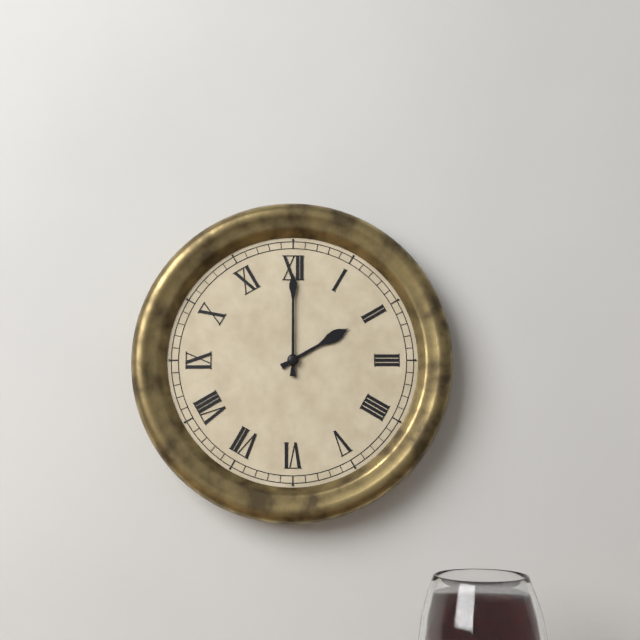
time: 2:00
